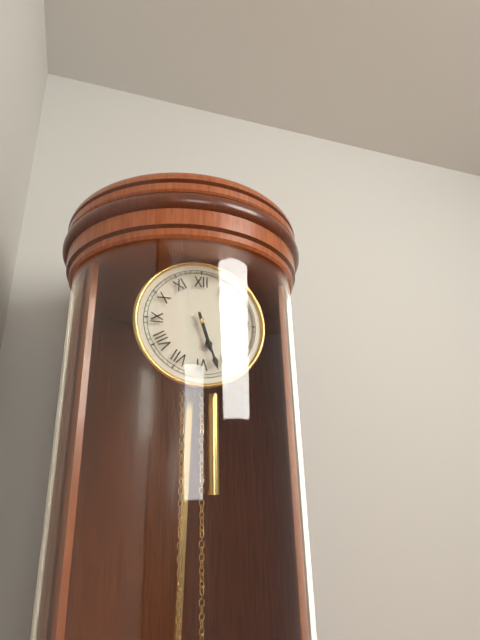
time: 5:27
